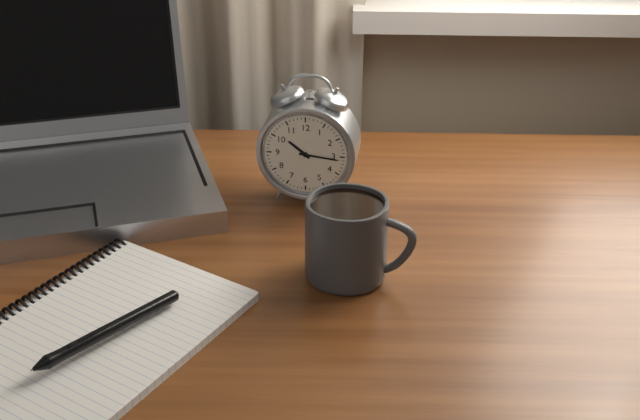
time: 10:16
